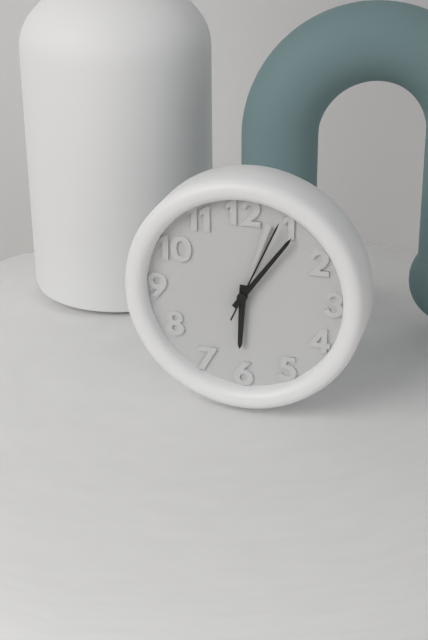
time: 6:06:04
